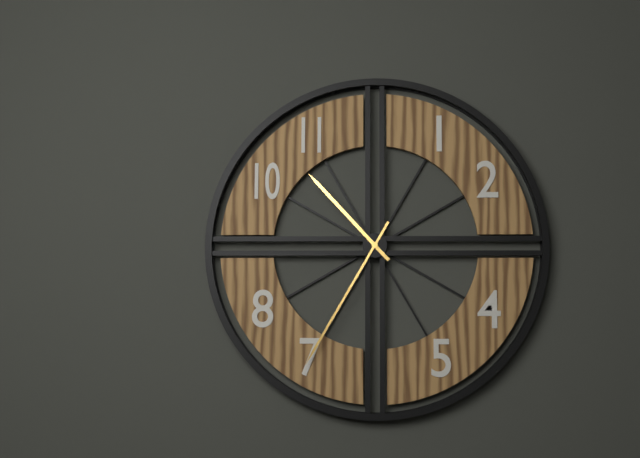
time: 10:35
